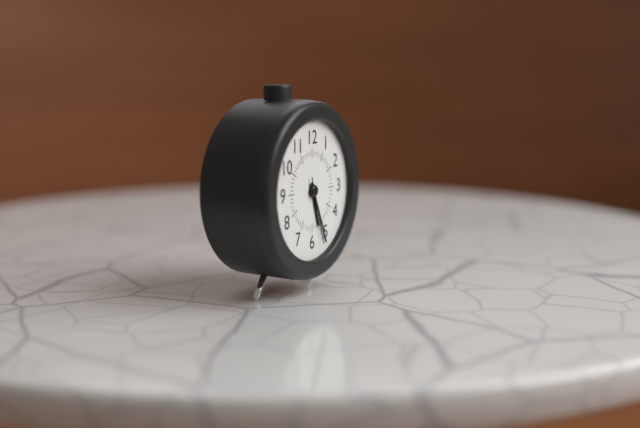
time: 5:26:27
